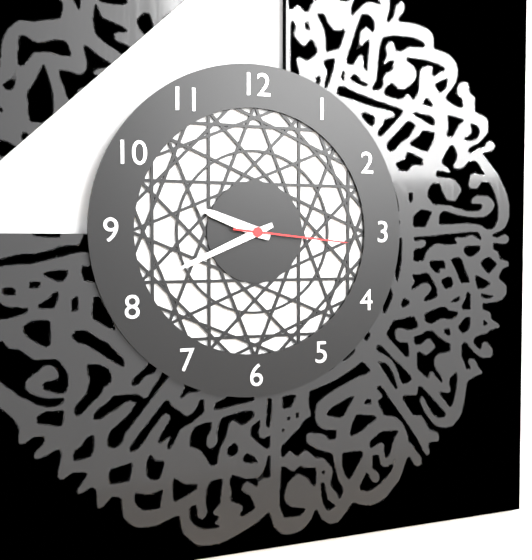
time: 9:41:16
